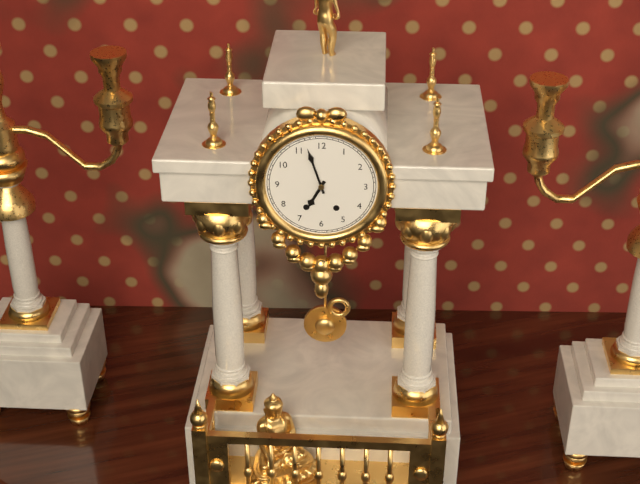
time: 6:57
